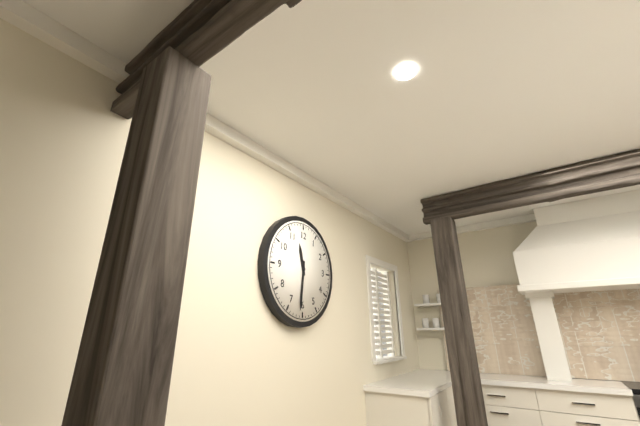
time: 11:31
